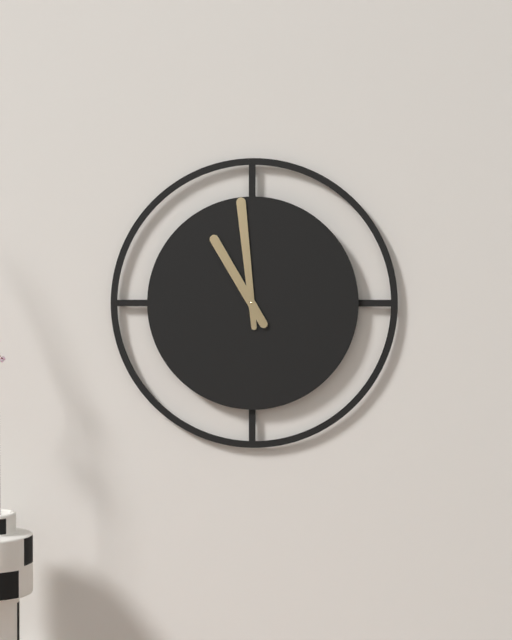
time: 10:59
